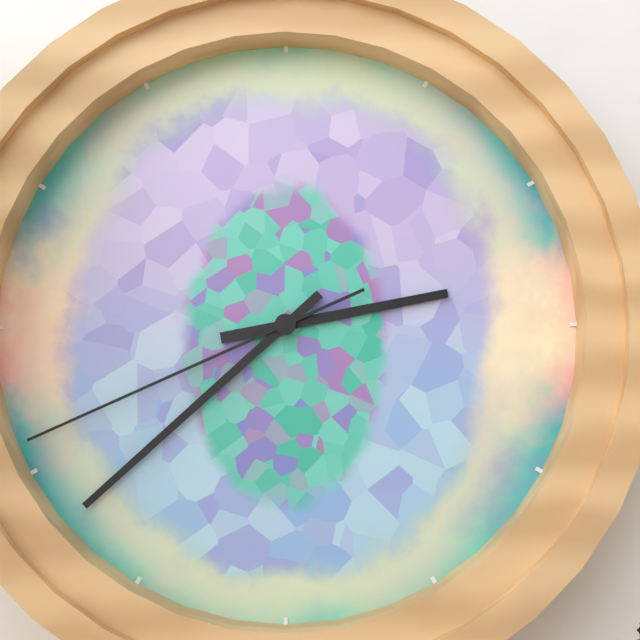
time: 2:38:41
